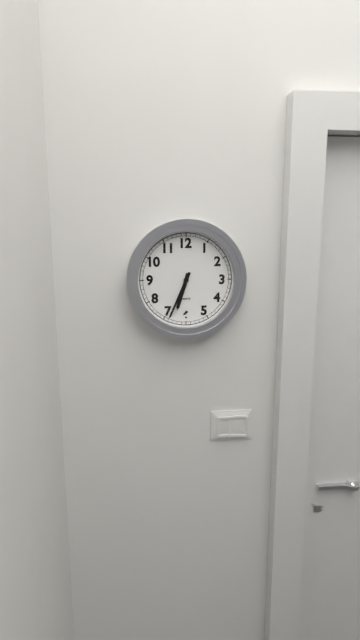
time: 6:34
